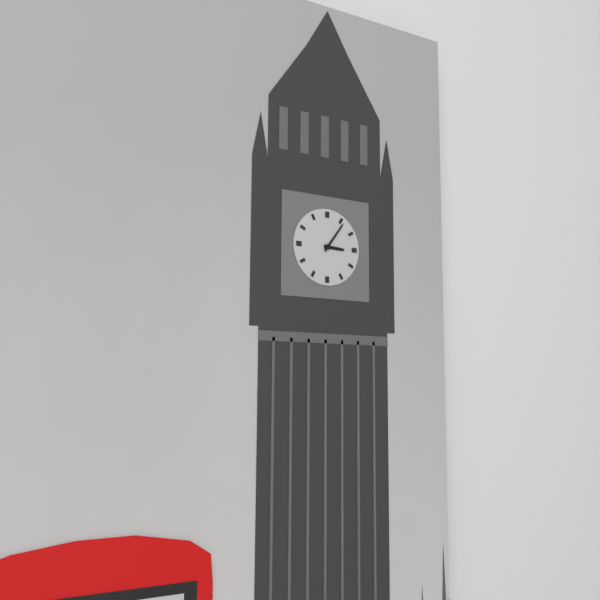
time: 3:06
